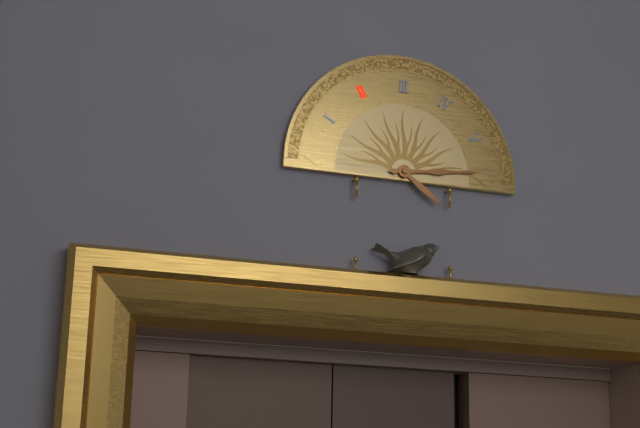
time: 4:14
